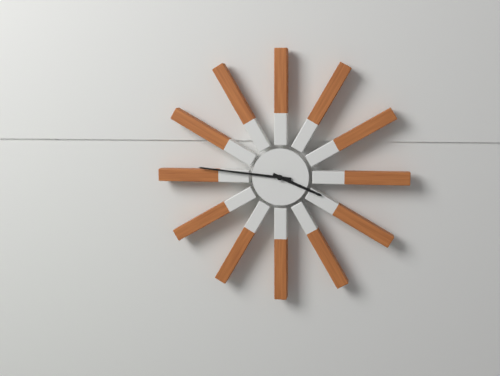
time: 3:46
